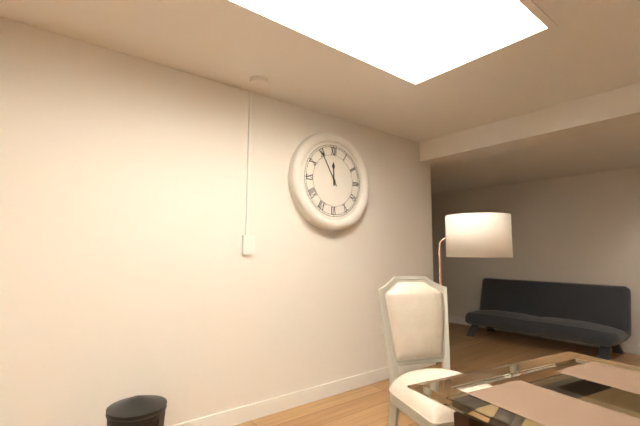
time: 11:55
